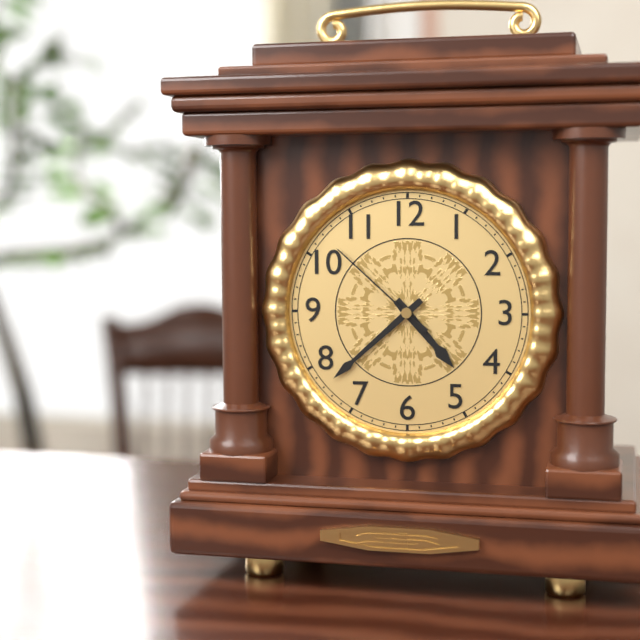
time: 4:38:52
